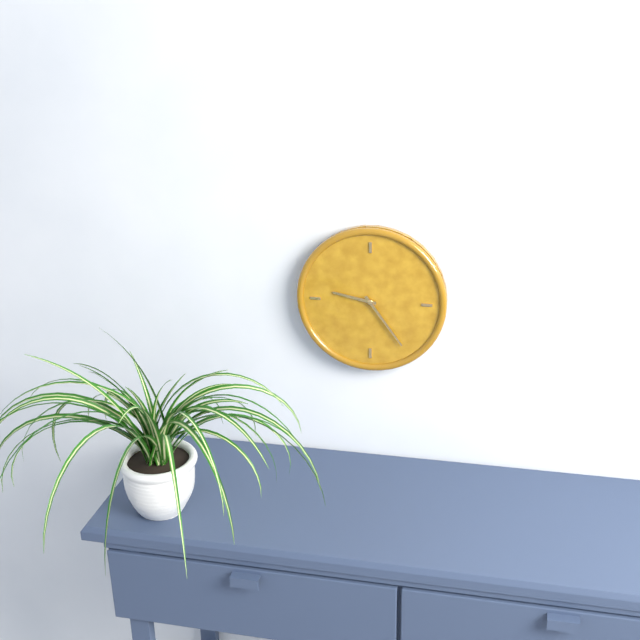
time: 9:24
